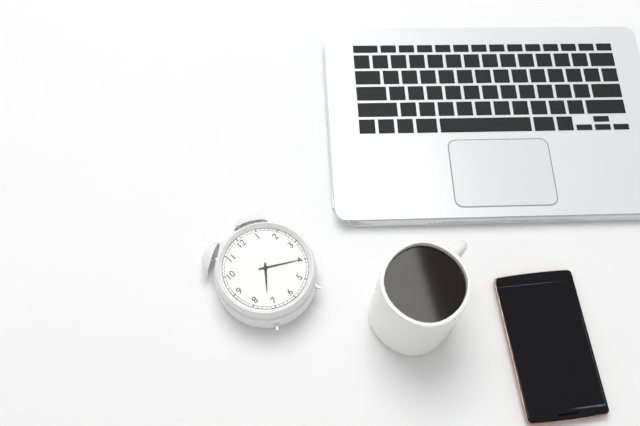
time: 7:20
